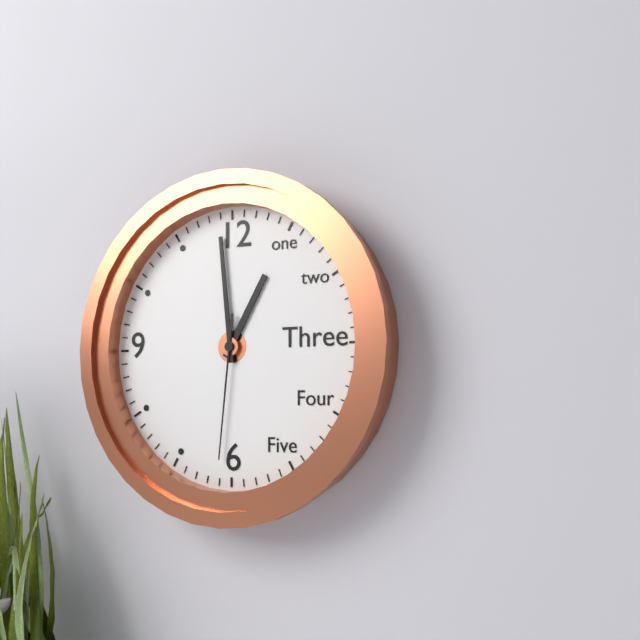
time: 12:59:31
